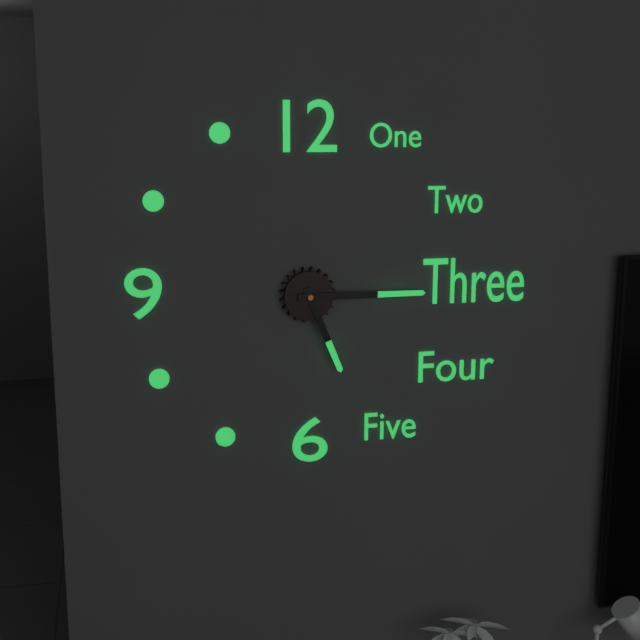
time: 5:15
